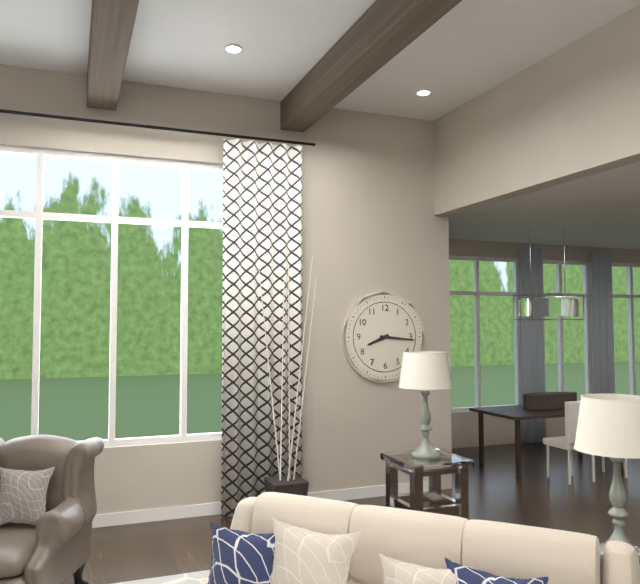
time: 8:16
